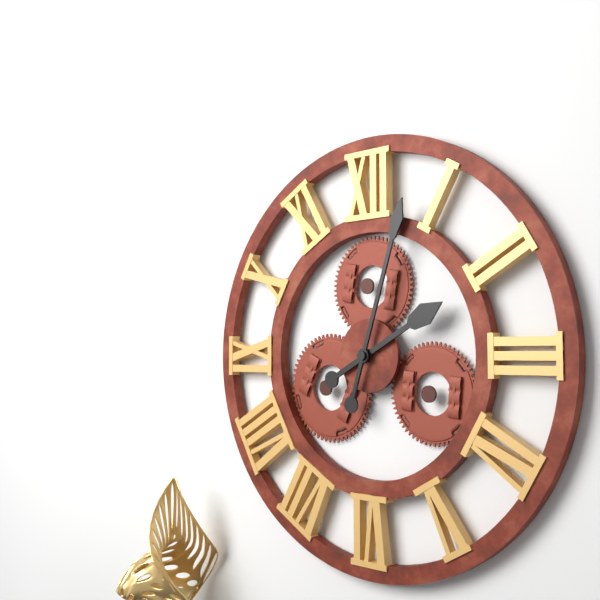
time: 2:03
